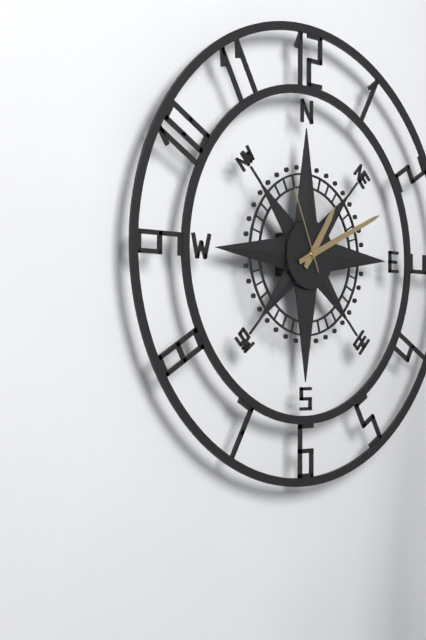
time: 1:11:56
